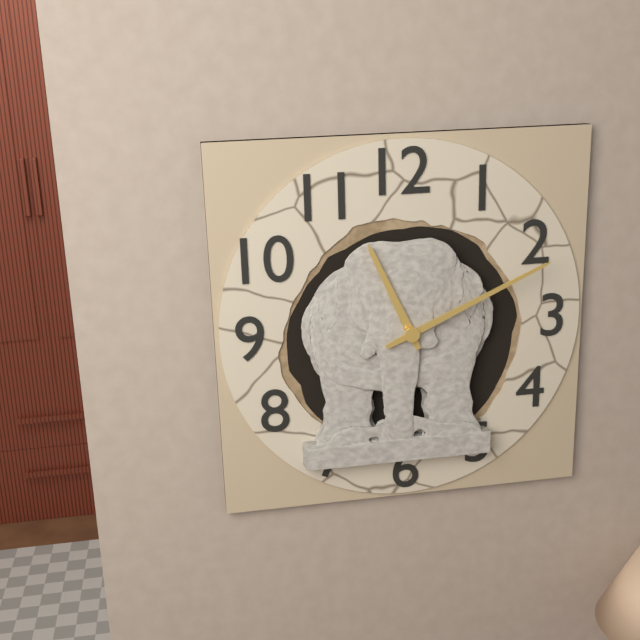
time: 11:11
